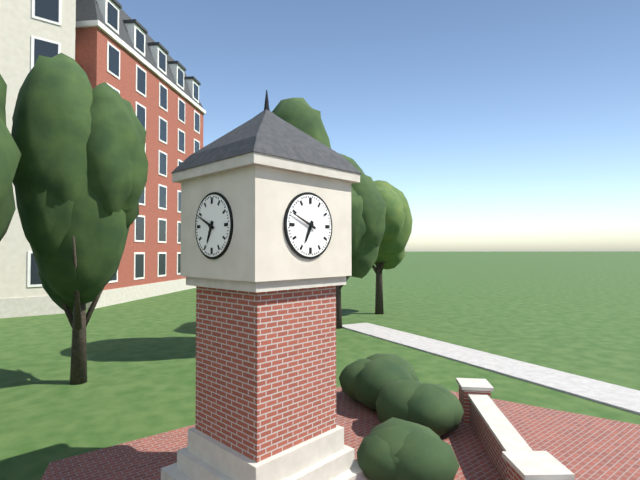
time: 6:49
